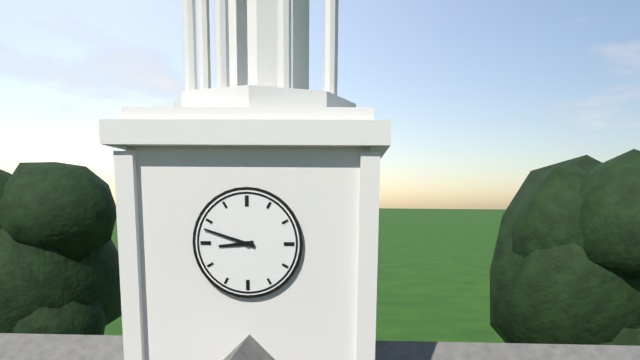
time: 8:48
